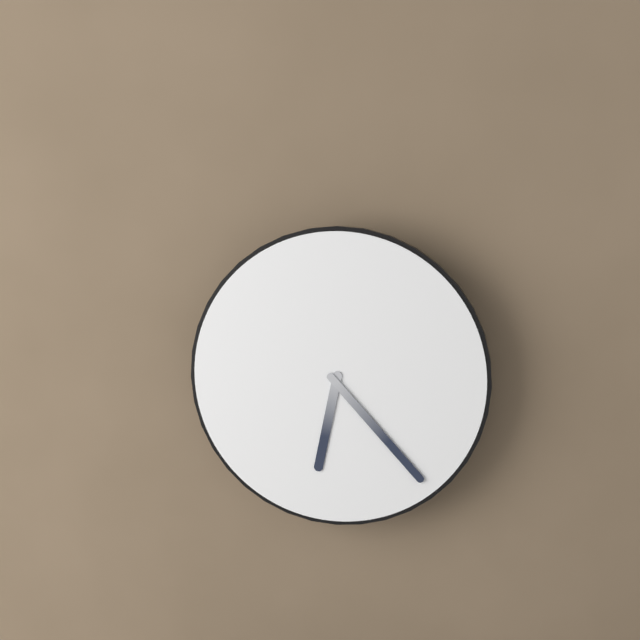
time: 6:23
